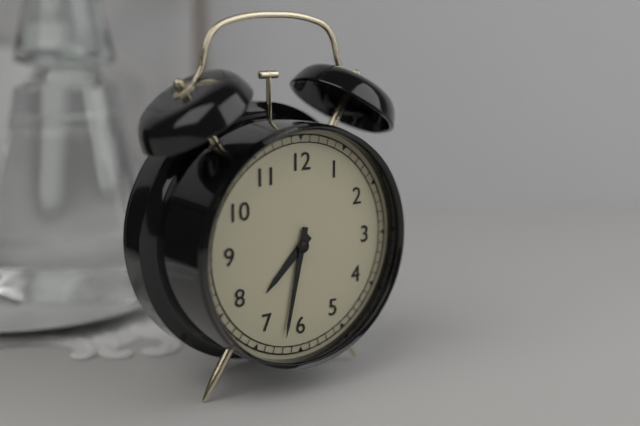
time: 7:32
